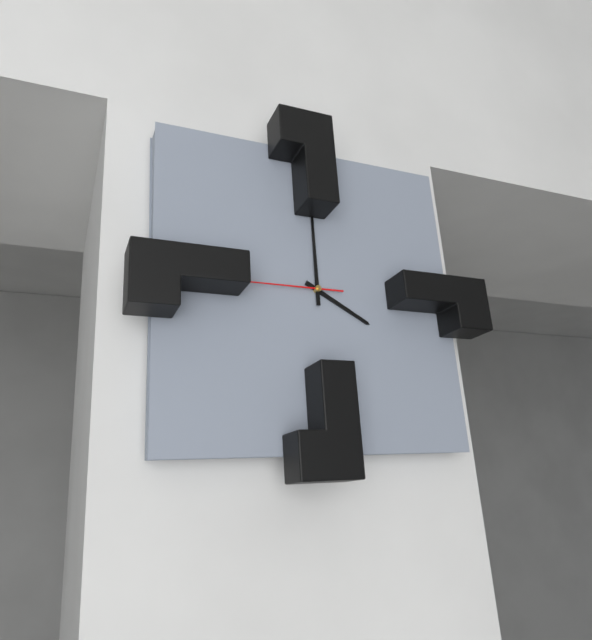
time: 4:00:45
